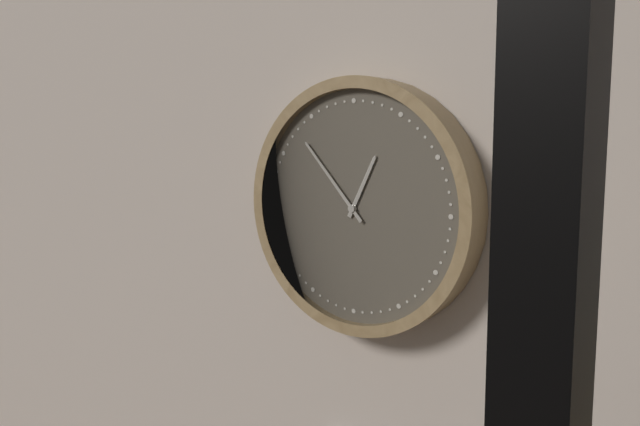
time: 12:53
